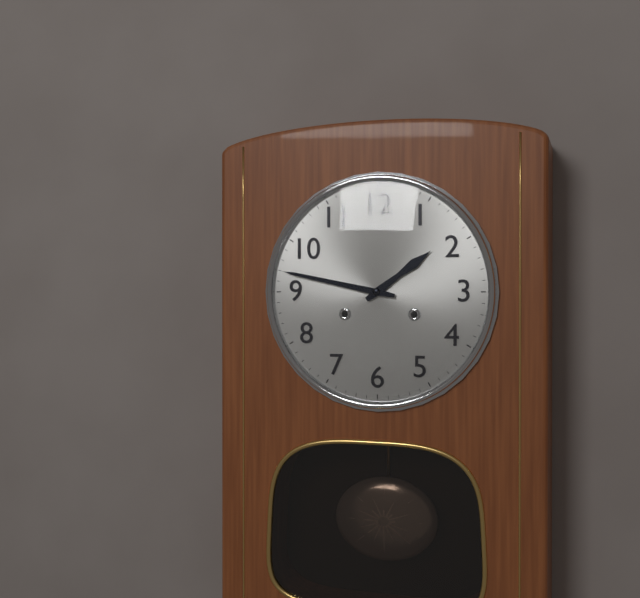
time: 1:47
